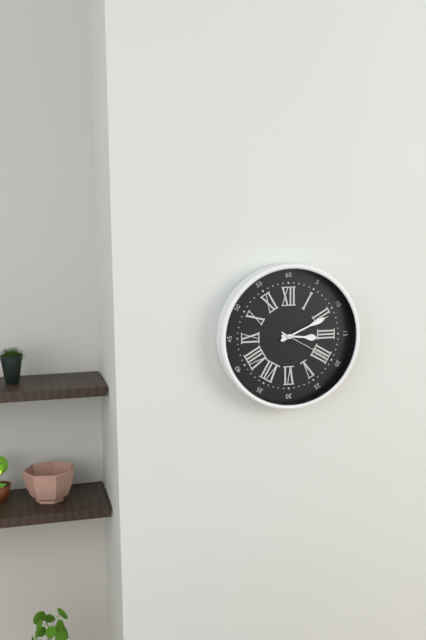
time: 3:11:20
